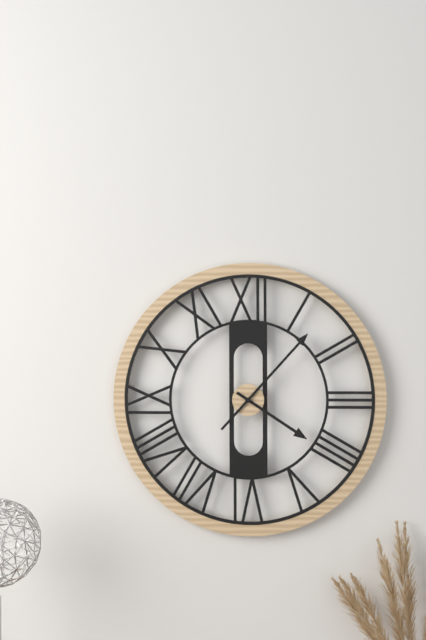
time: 4:07
